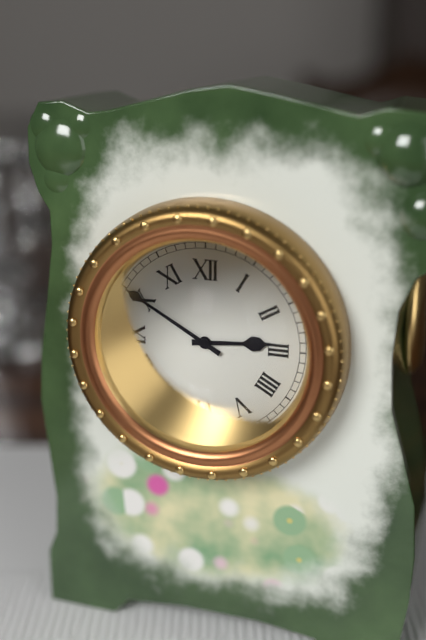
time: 2:50
